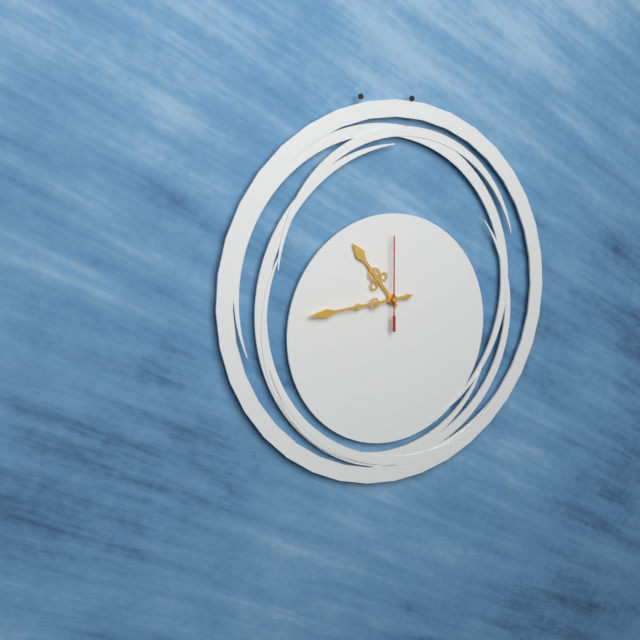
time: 10:44:00
